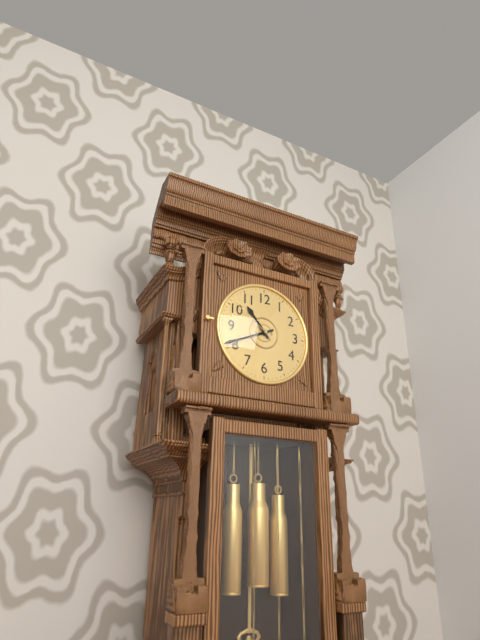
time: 10:41:51
